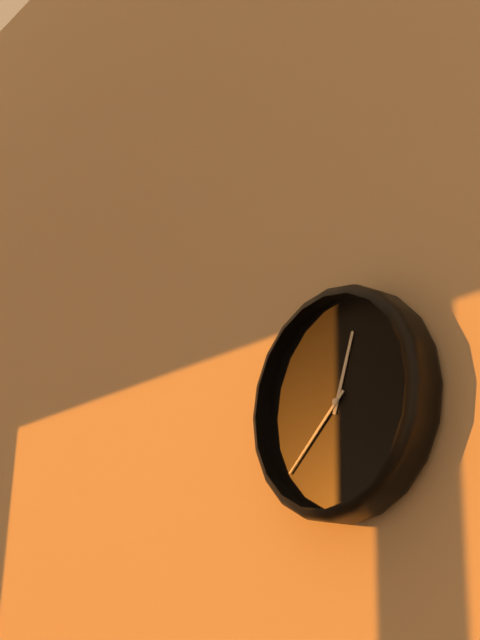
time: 12:38
